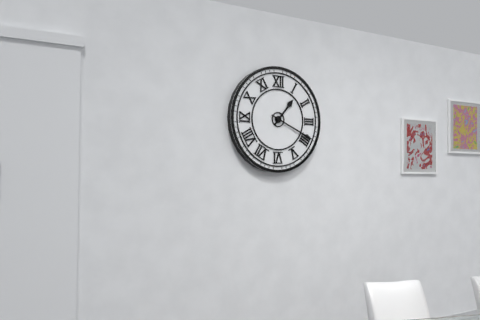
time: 1:19
